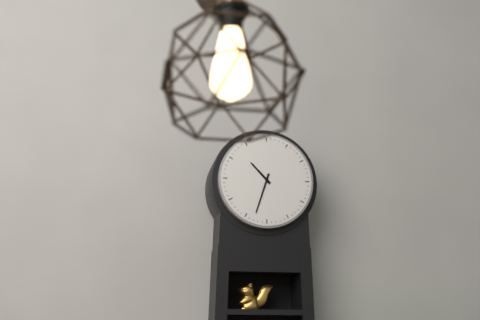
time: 10:33
